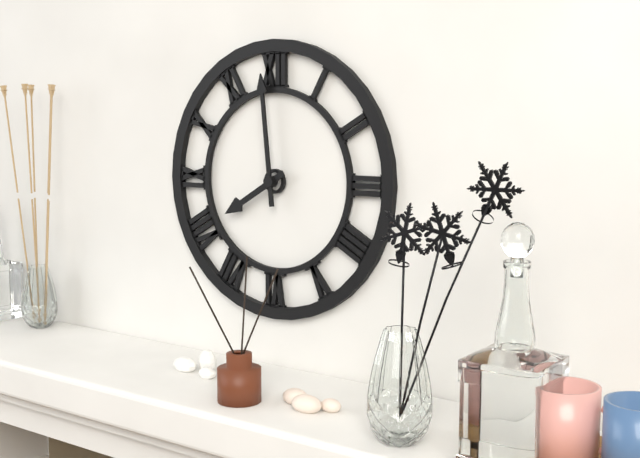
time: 7:59
